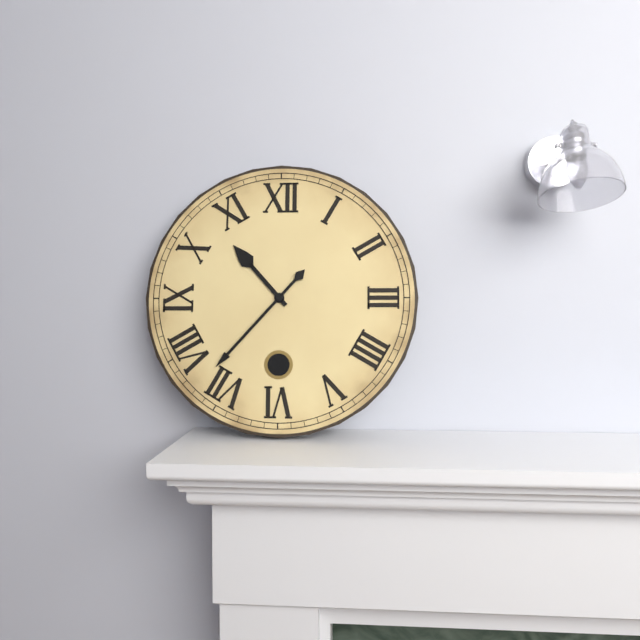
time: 10:37
